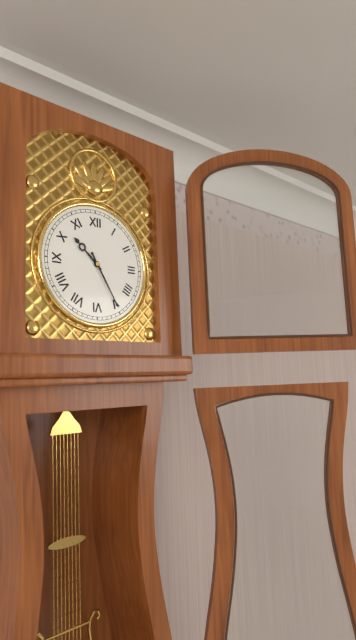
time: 10:25
